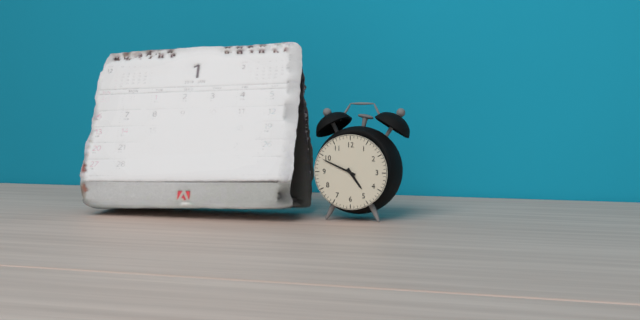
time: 4:49
